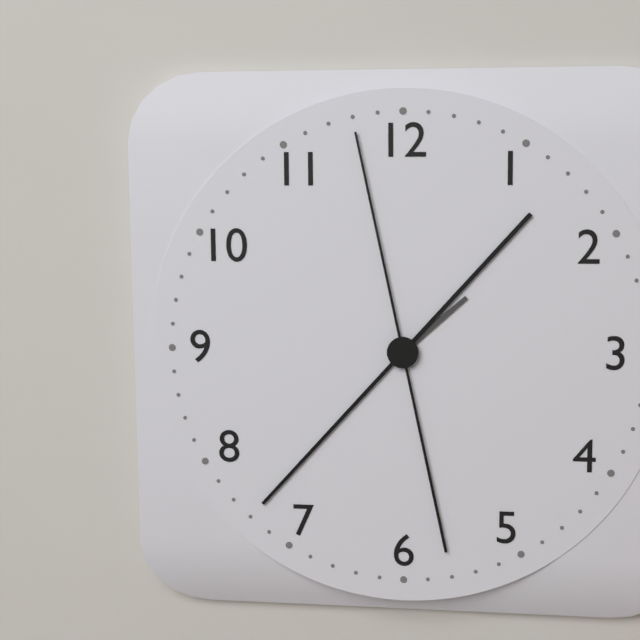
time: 1:37:58
